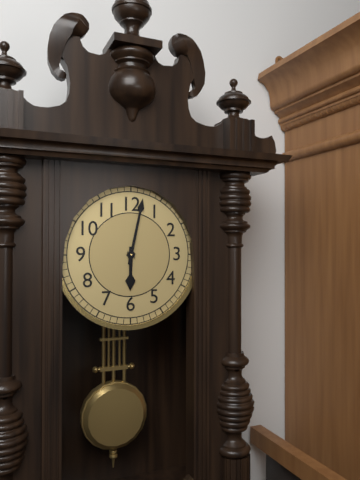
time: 6:02
